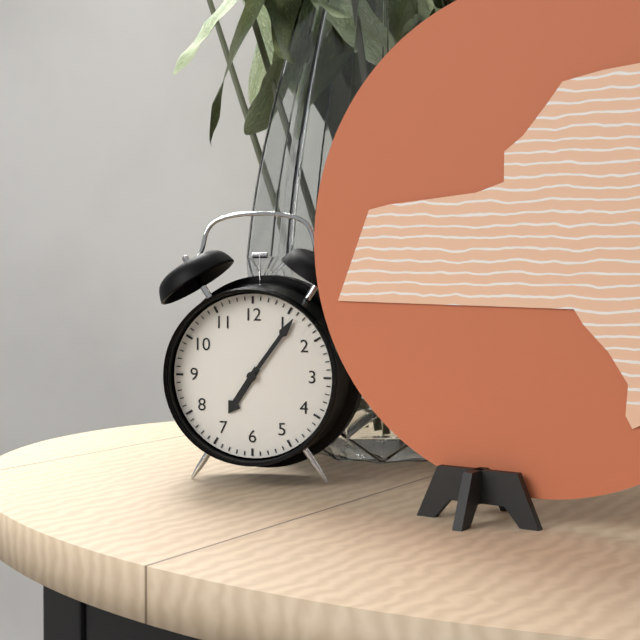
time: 7:06
